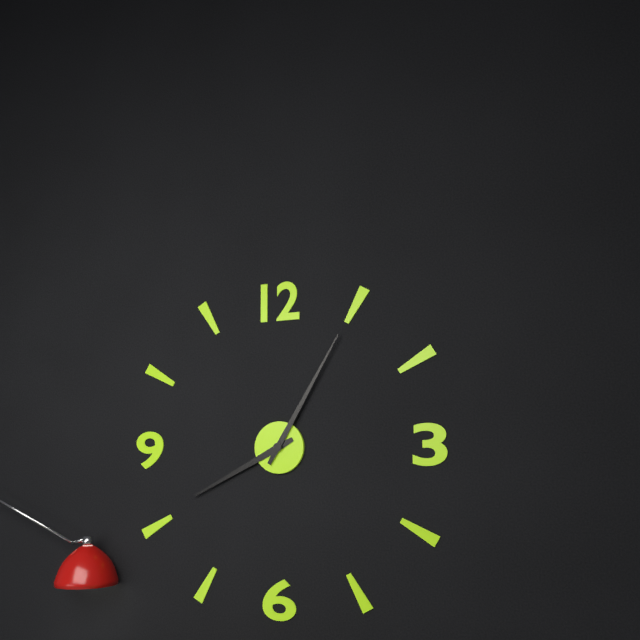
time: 8:05
